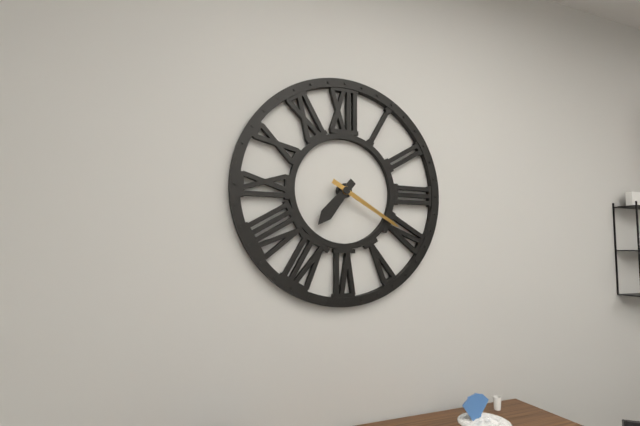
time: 7:20
